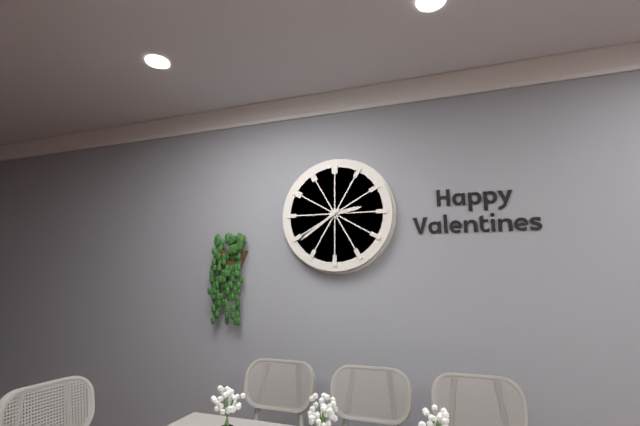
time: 2:39
